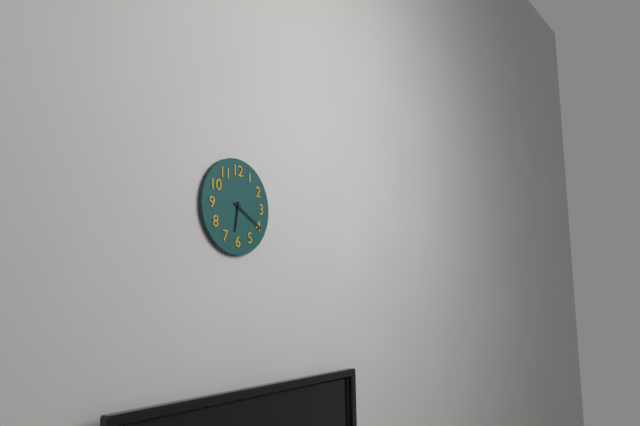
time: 6:20
